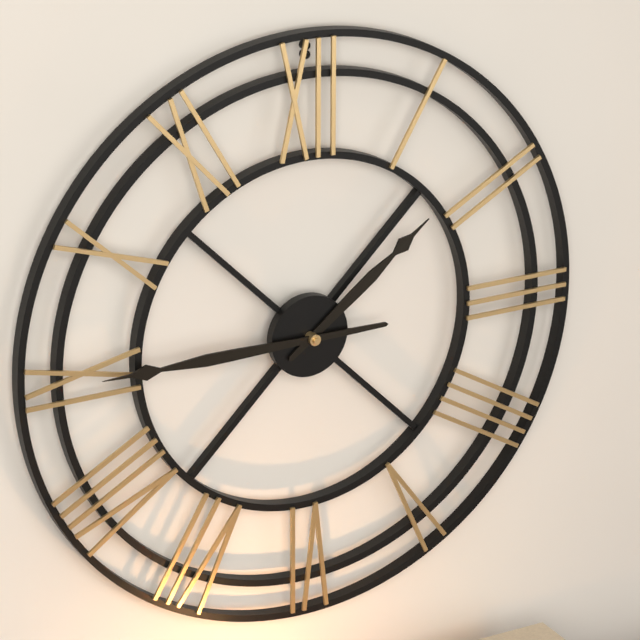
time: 1:45
